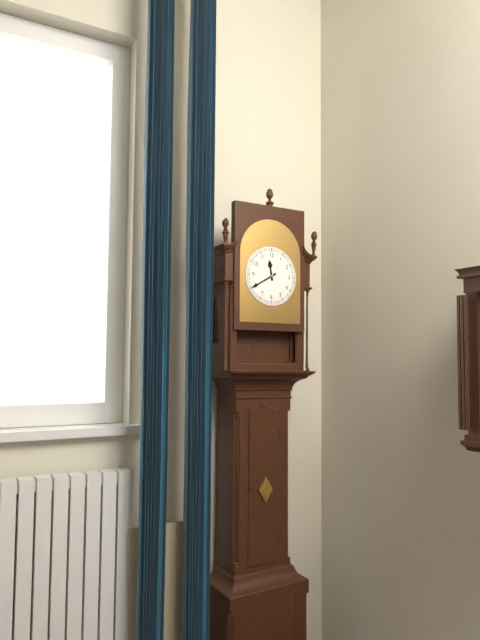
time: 11:40
